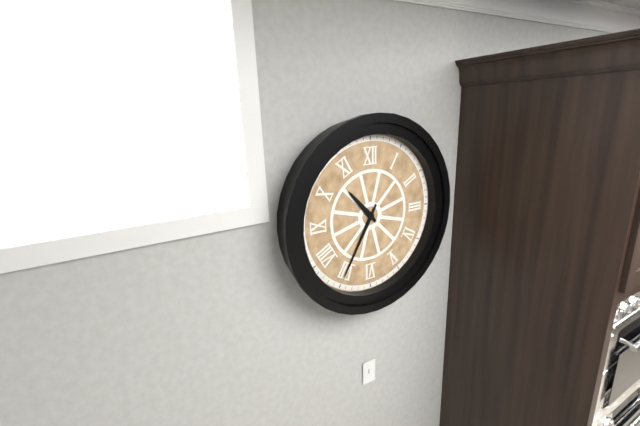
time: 10:35
